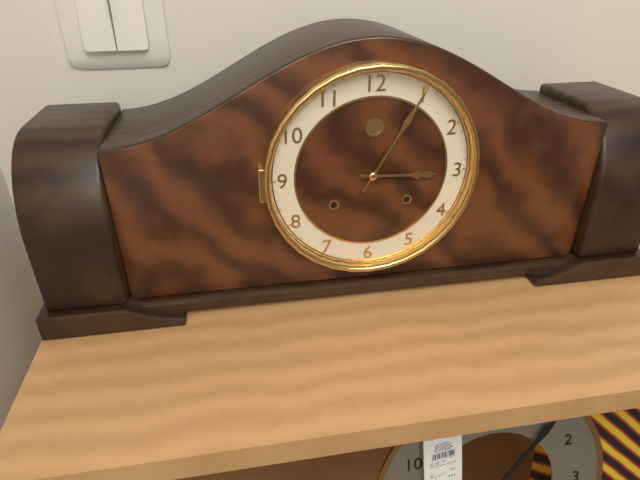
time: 3:05
